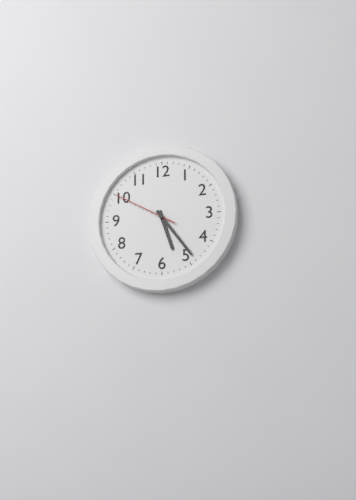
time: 5:24:50
